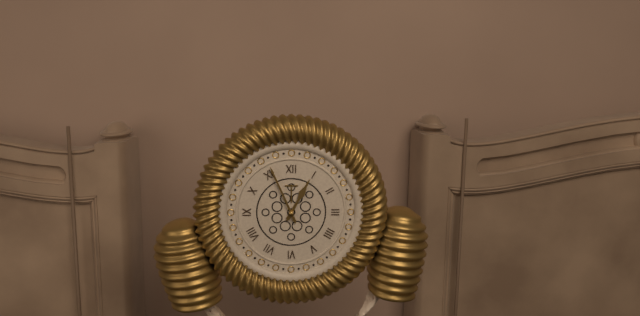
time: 12:56
